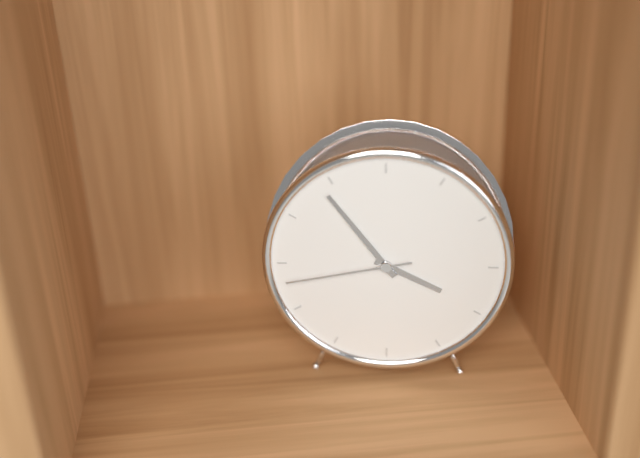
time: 3:54:43
